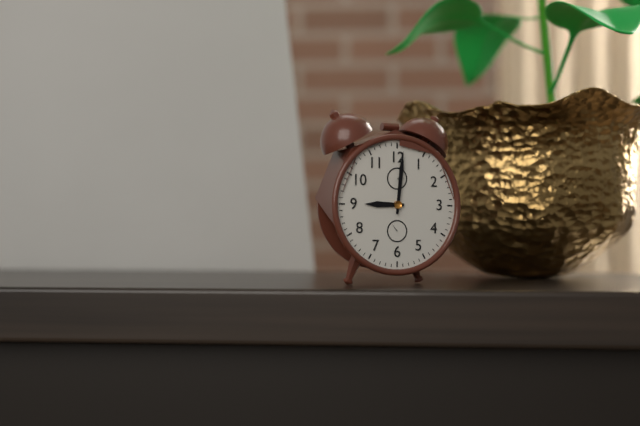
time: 9:01
